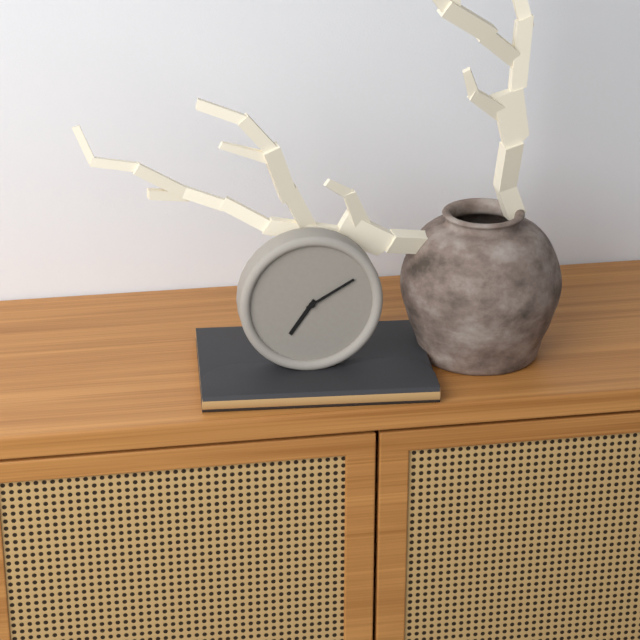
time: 7:10
